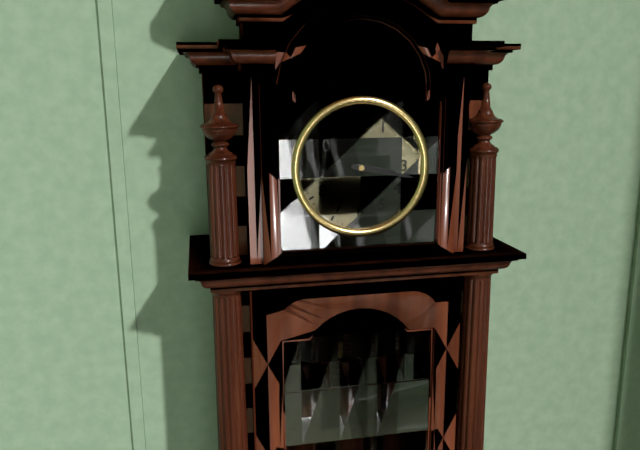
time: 3:17
